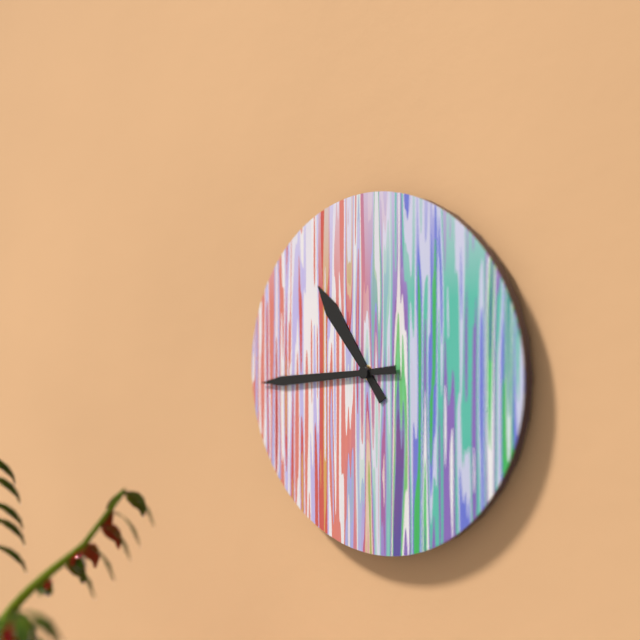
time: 10:44
